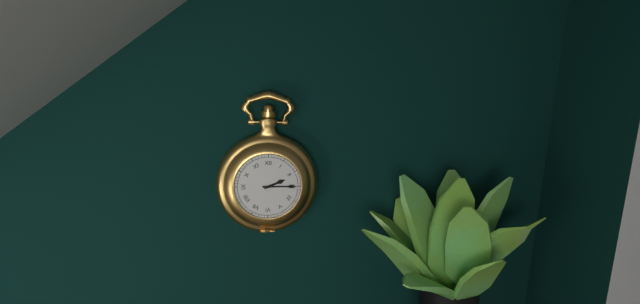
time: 2:15
